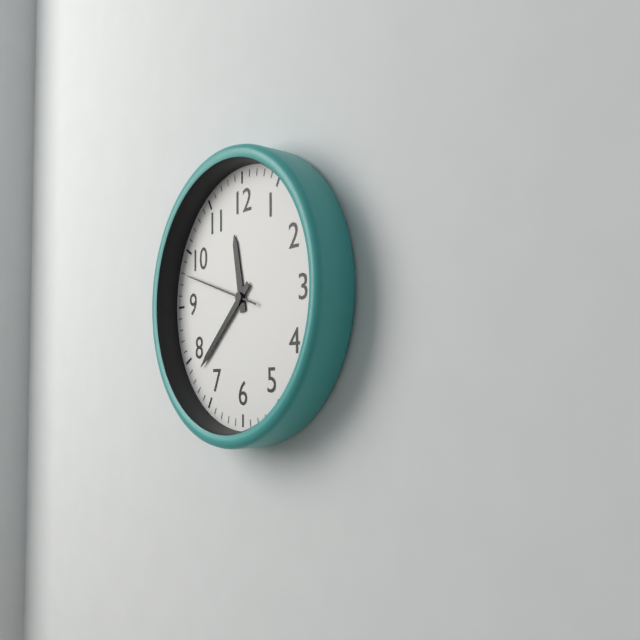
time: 11:38:48
